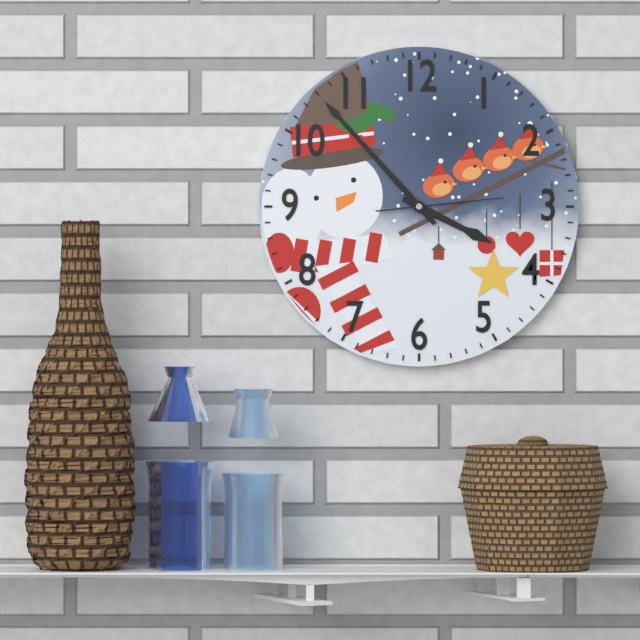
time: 3:53:14
